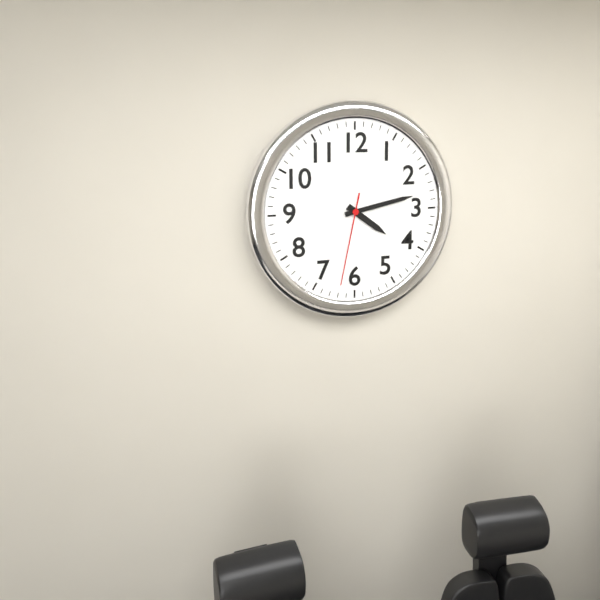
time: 4:13:32
